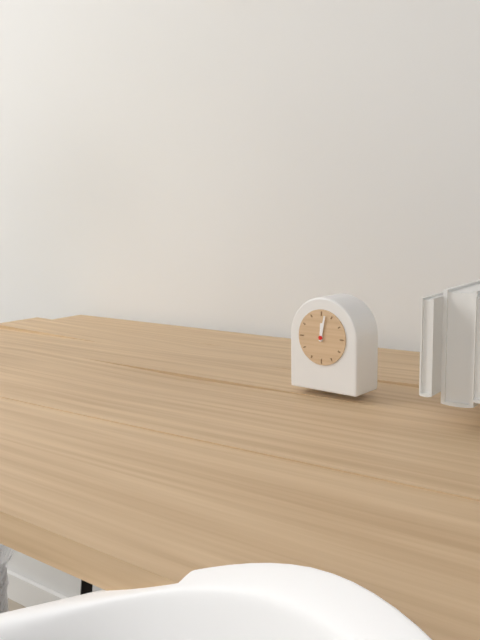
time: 12:02
